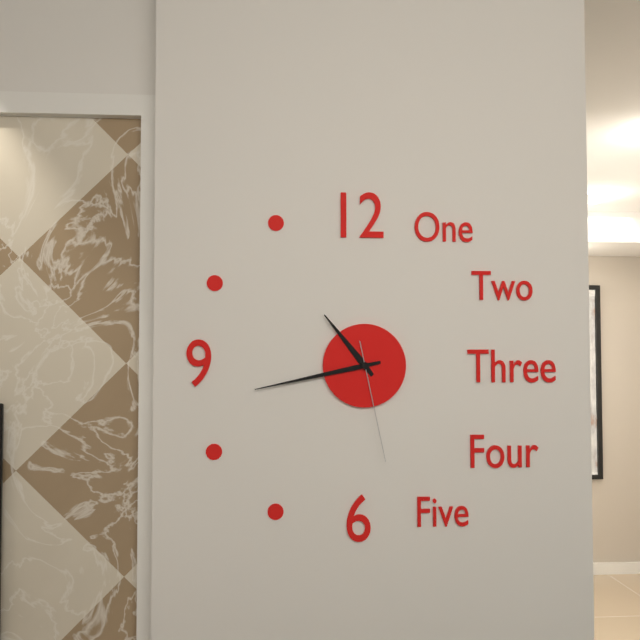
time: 10:43:28
